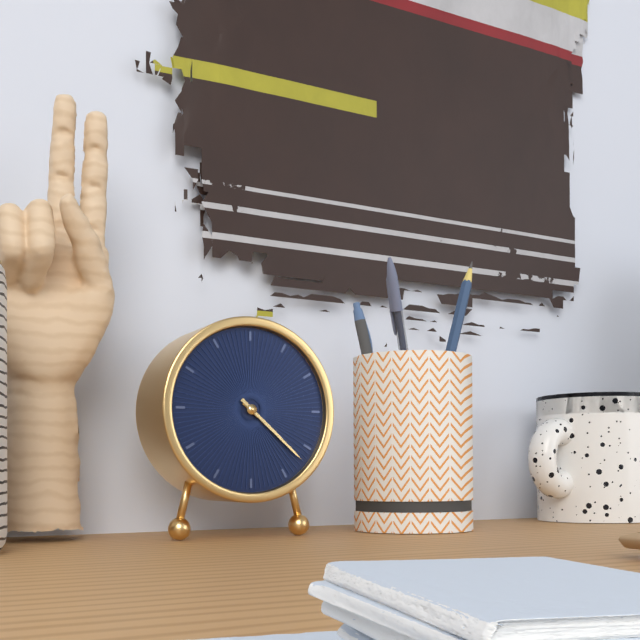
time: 4:22
